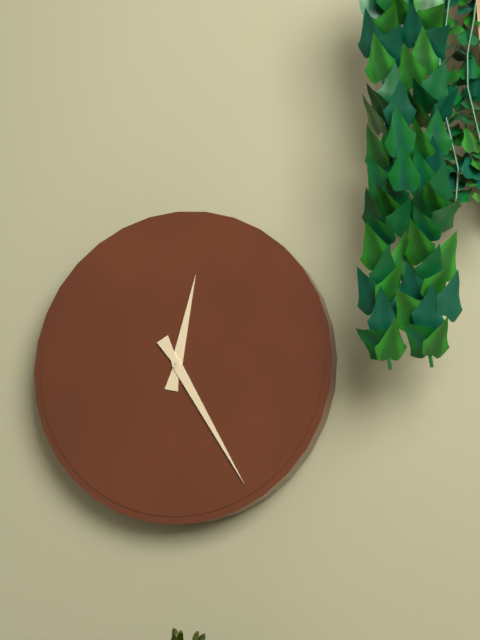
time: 12:25
